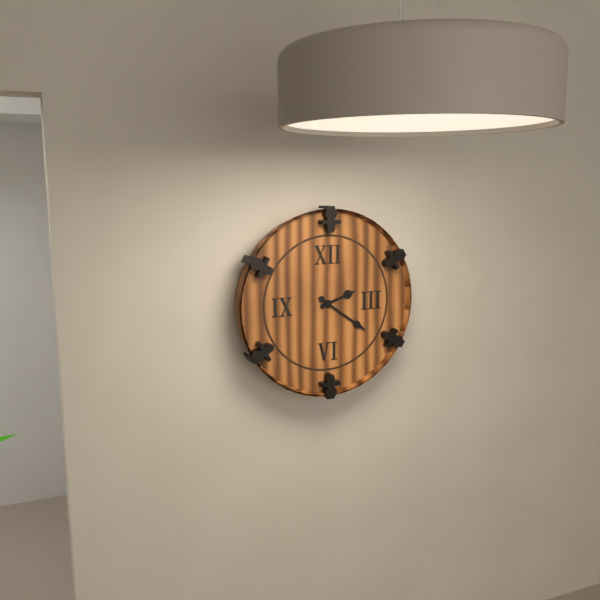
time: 2:21
